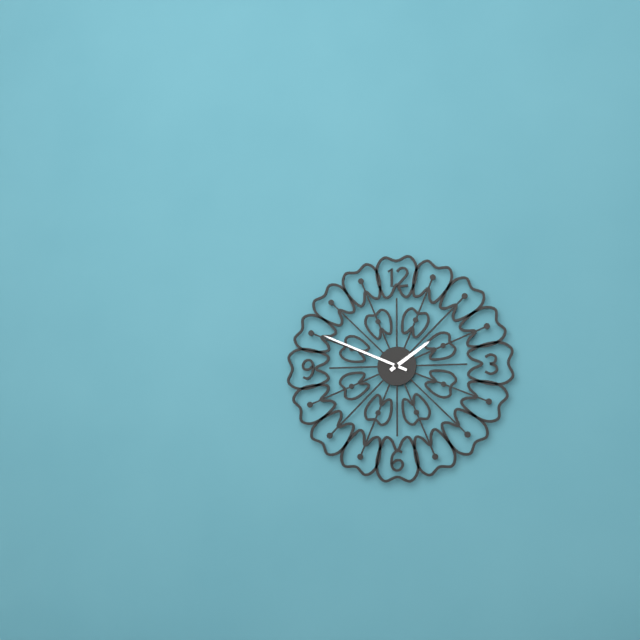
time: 1:49
